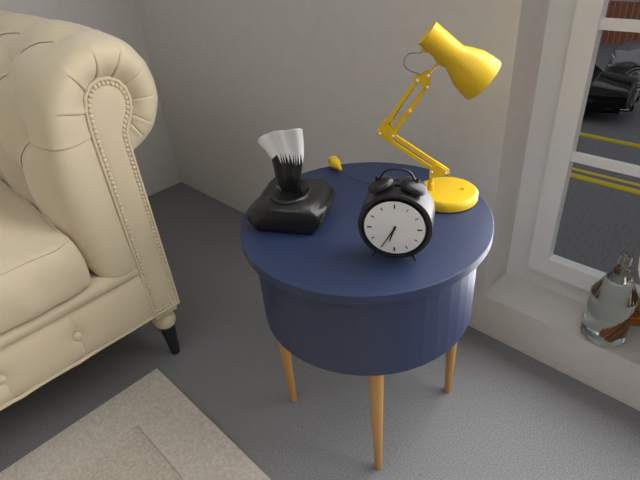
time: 6:35
